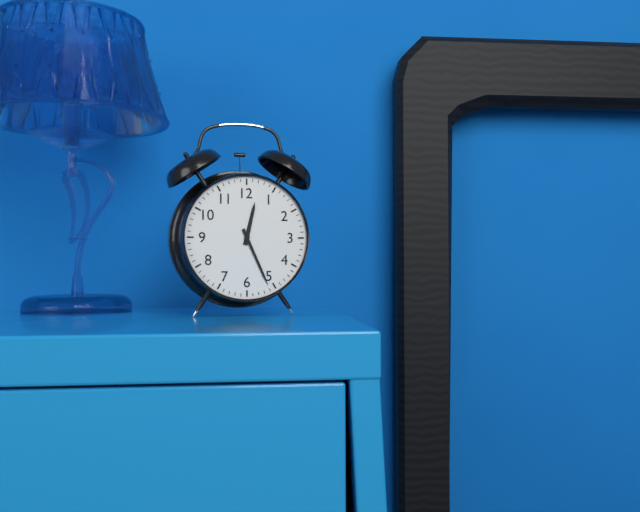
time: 12:26
